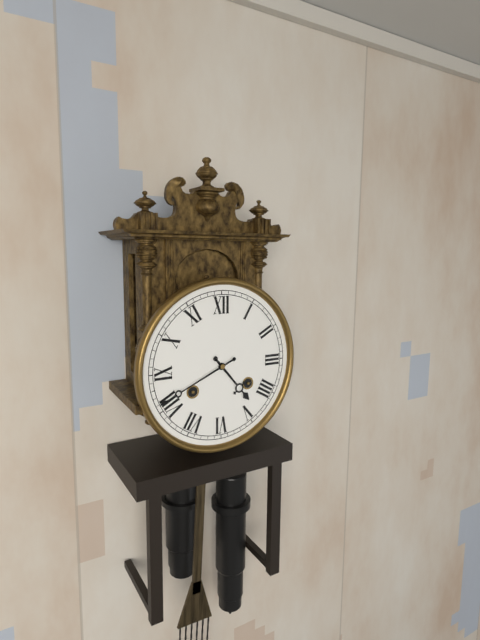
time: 4:41
